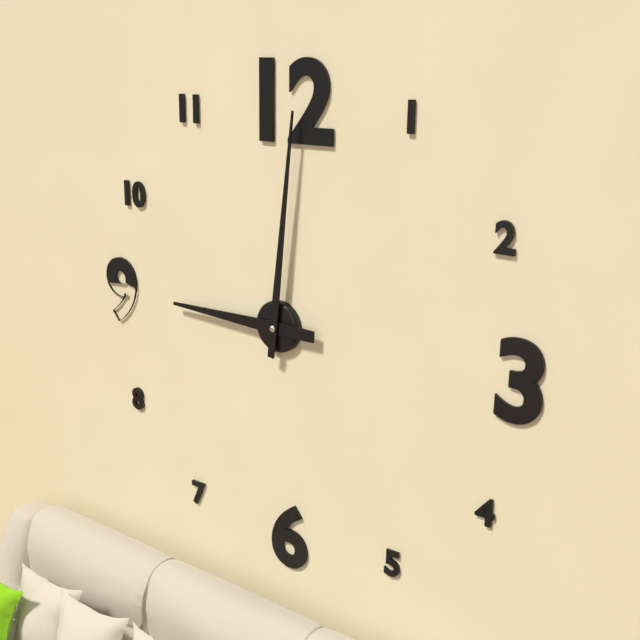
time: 9:01
